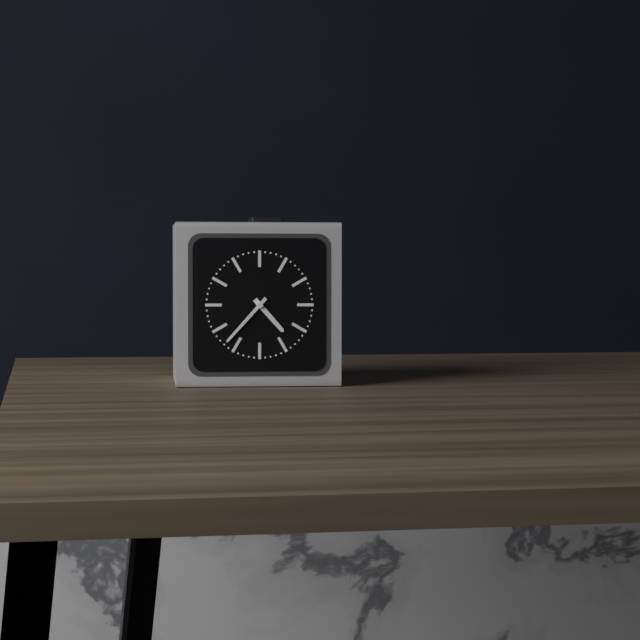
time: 4:37
